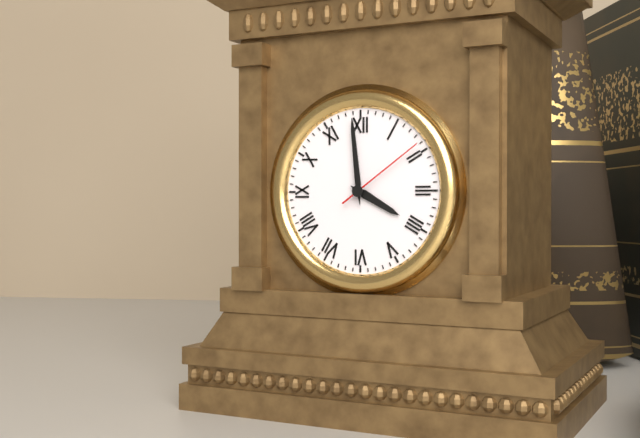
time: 3:59:09
